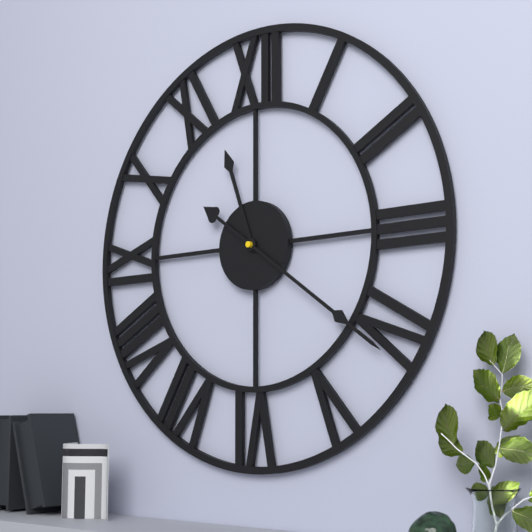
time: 11:21
